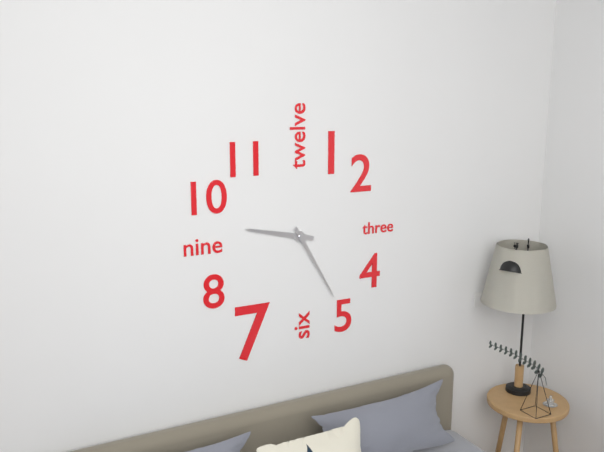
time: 9:25
